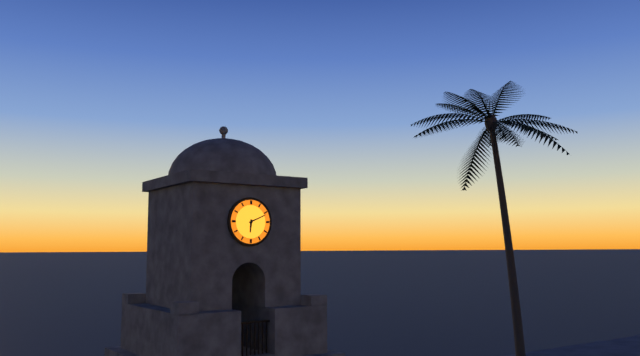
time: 6:11
